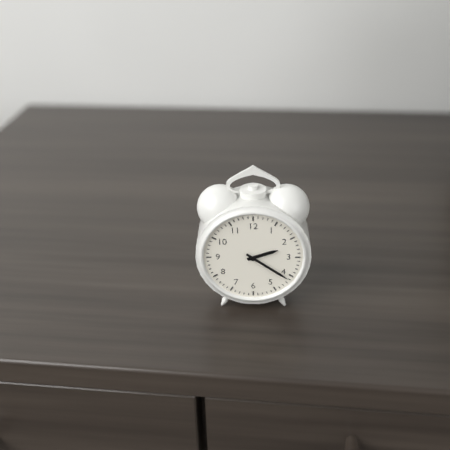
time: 2:21
